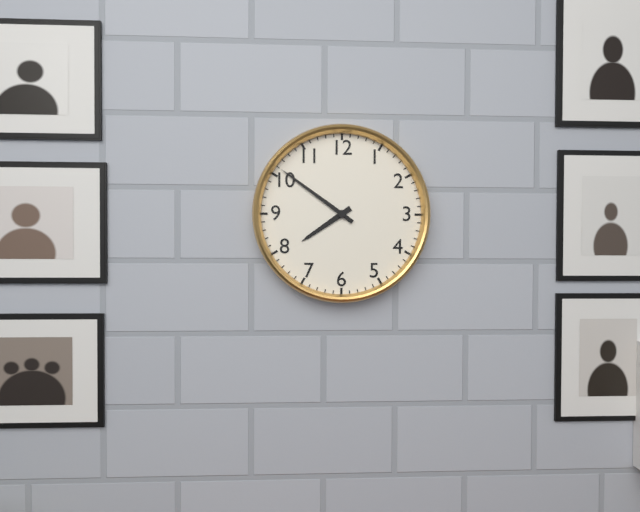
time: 7:51
